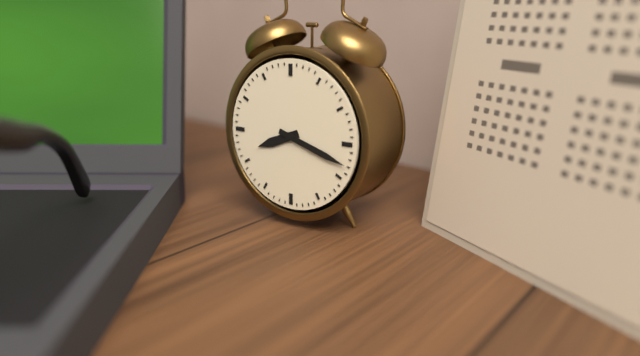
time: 8:18
